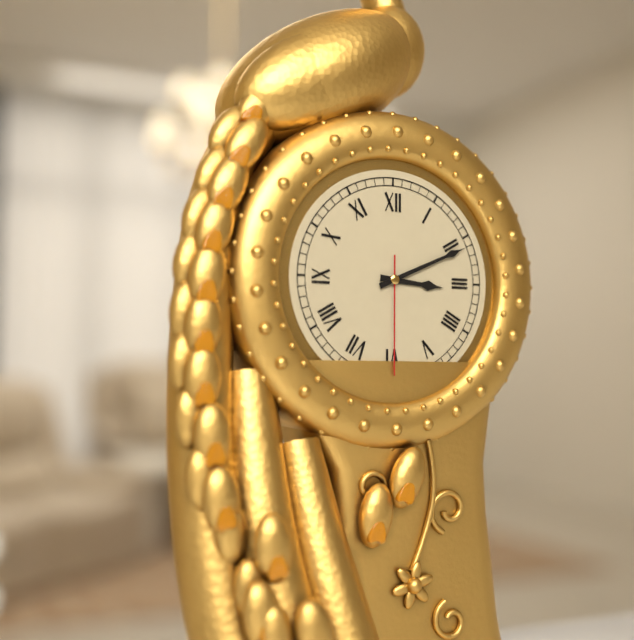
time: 3:11:30
